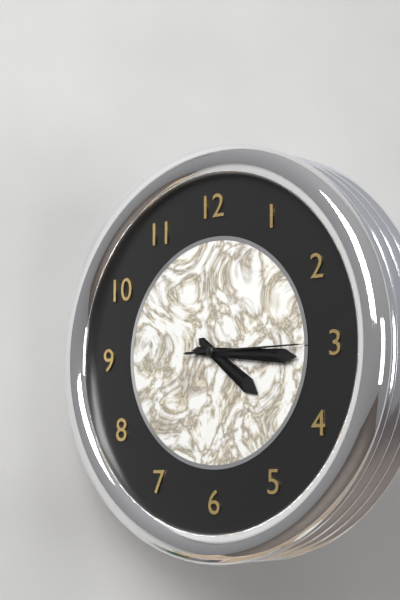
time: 4:16:15
